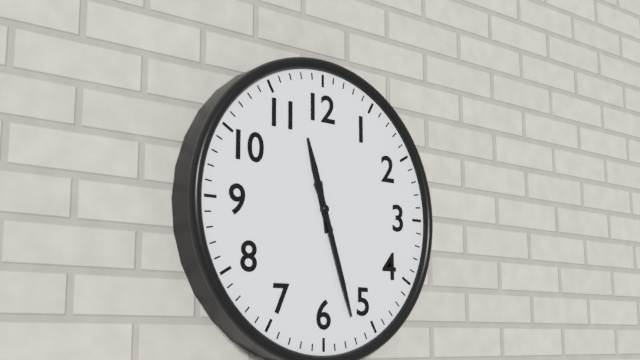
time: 11:27
